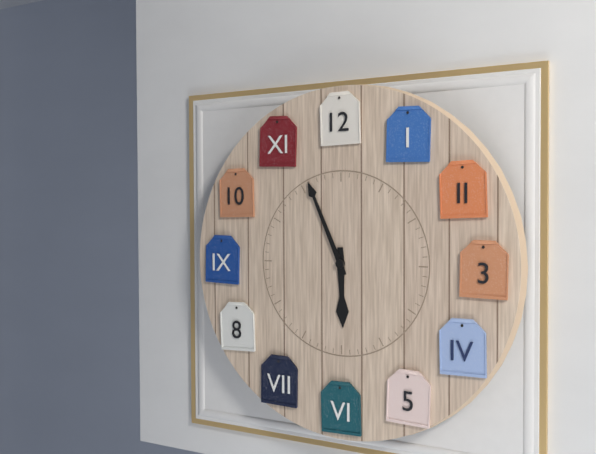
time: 5:56
